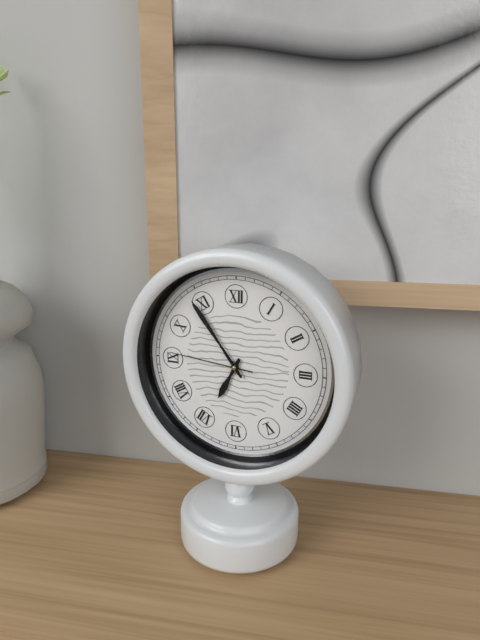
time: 6:54:46
